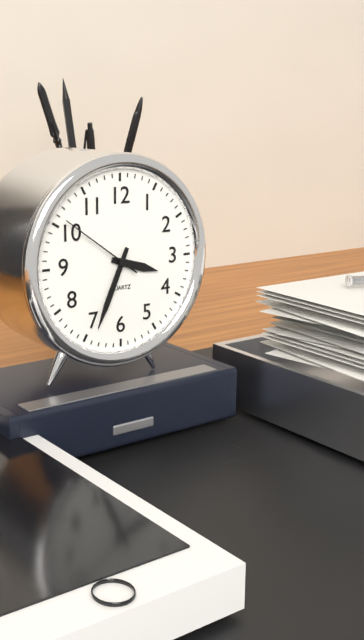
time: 3:34:51
